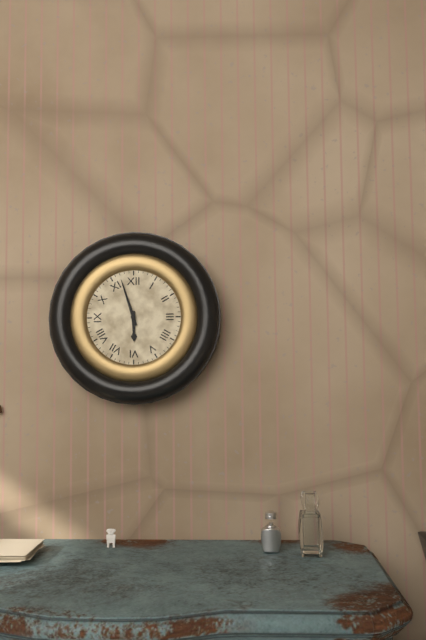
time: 5:57
